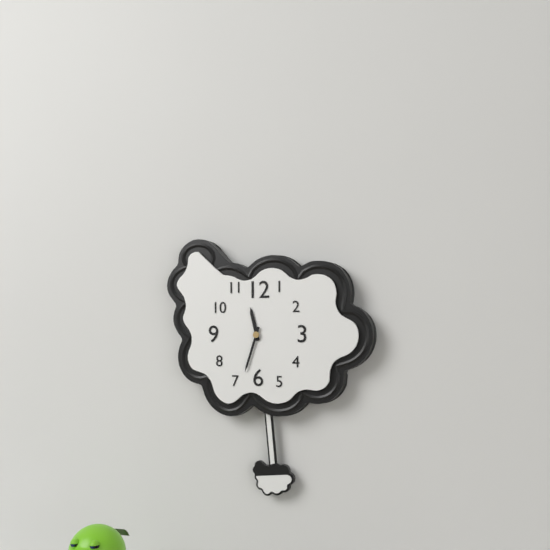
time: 11:33
